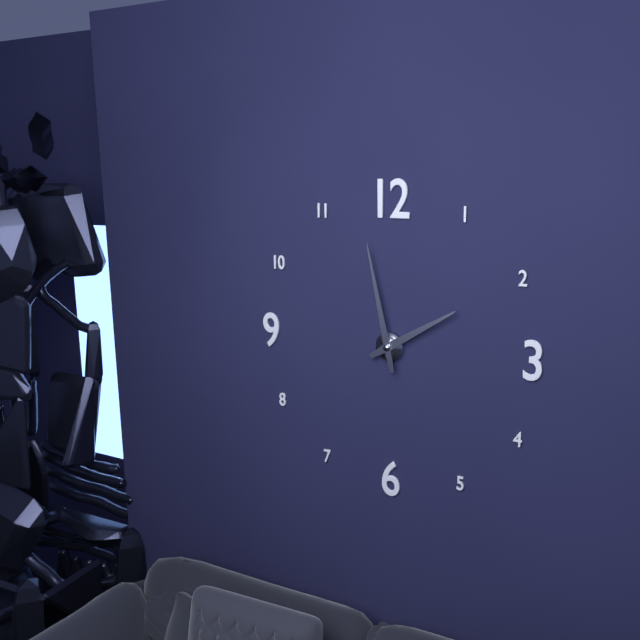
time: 1:58
